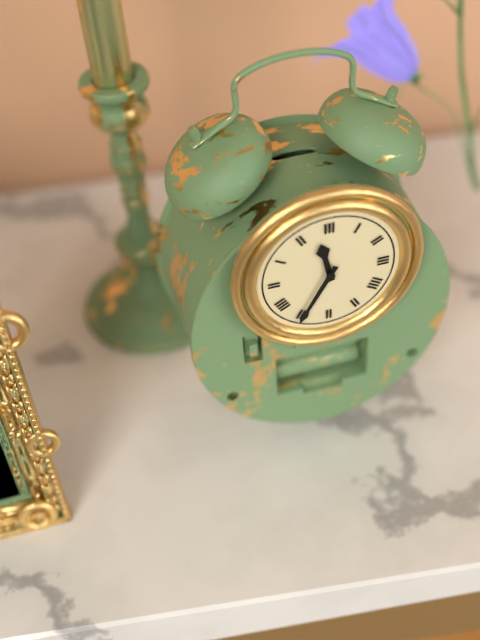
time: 11:35
